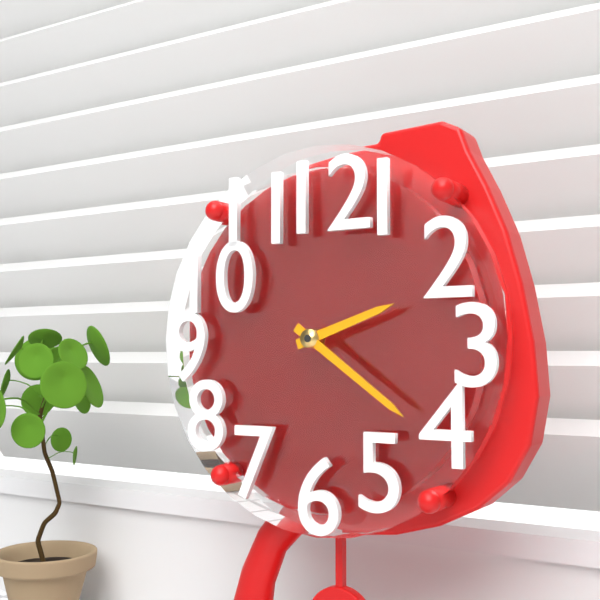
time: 2:21
